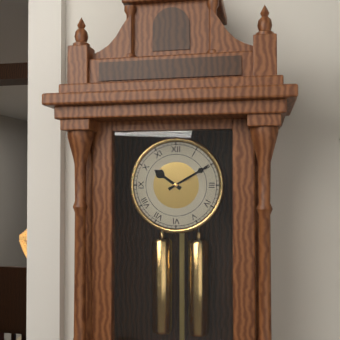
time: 10:10
